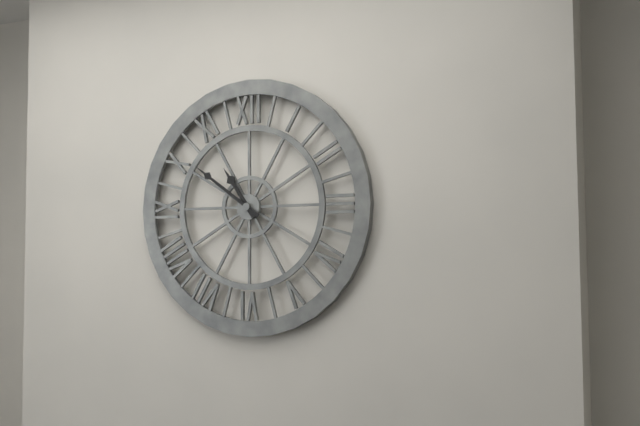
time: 10:51
